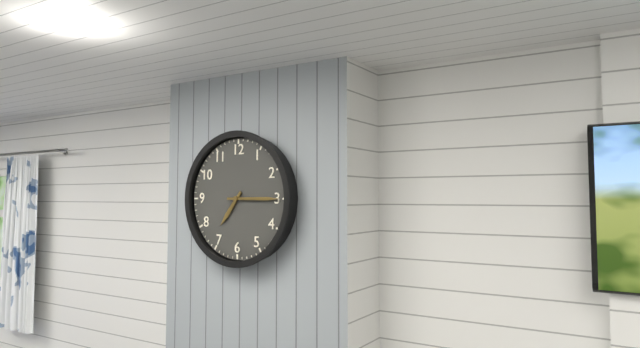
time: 7:15
